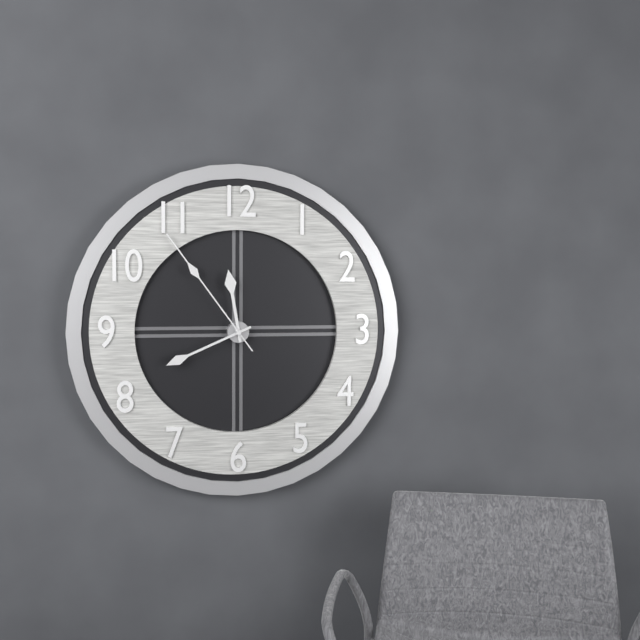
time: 11:41:54
